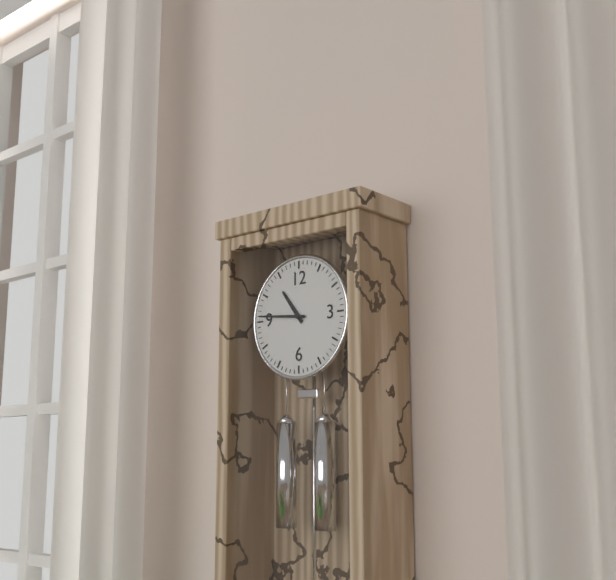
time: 10:46
